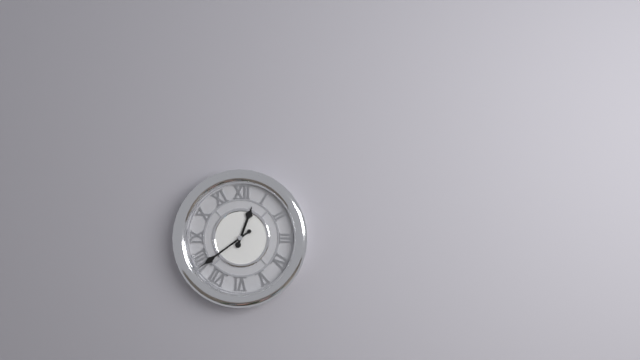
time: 12:39
